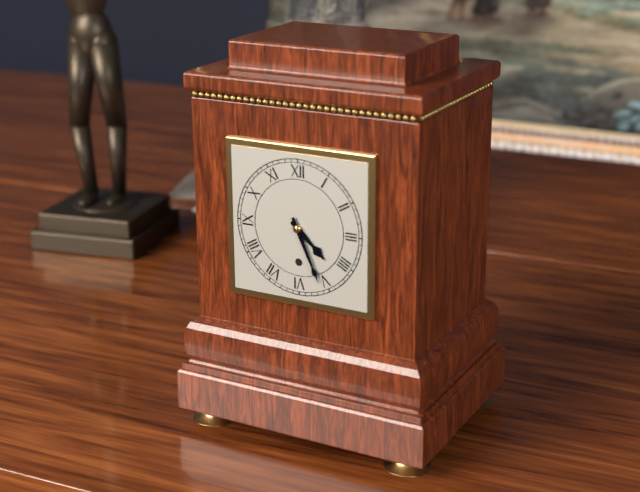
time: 4:26
